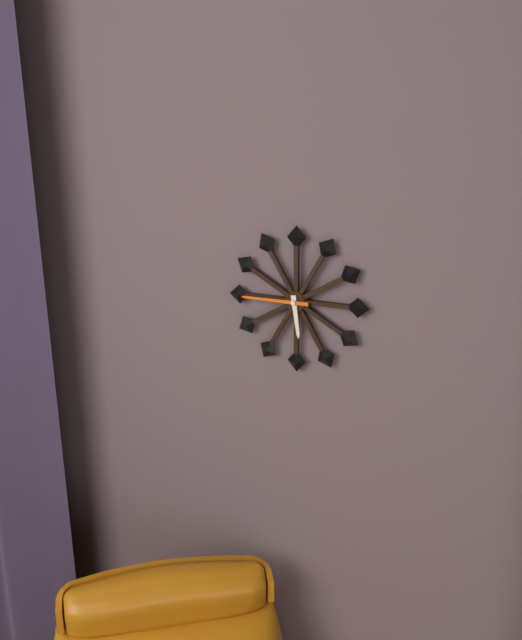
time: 5:45
